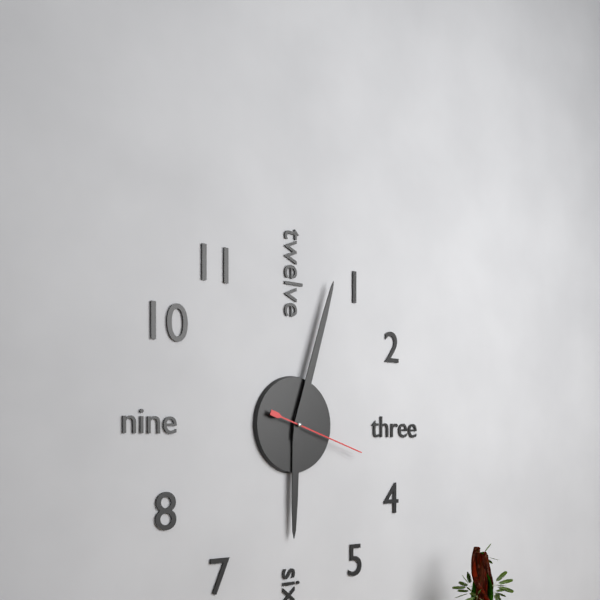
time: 6:03:18
